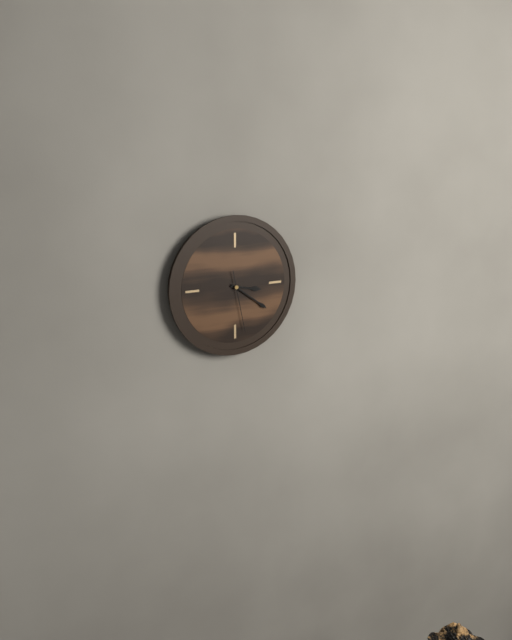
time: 3:21:28
